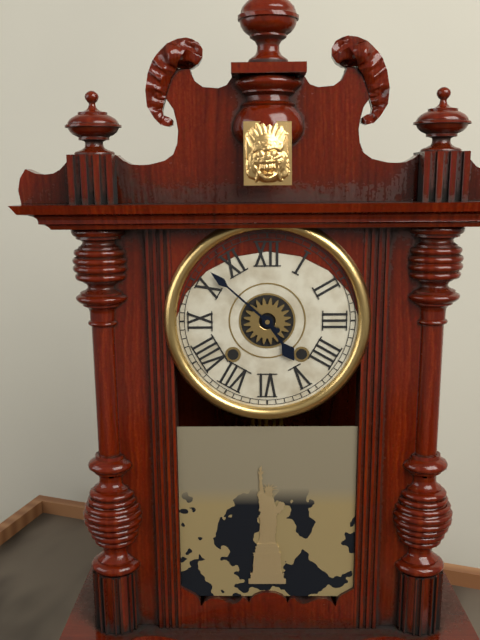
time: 4:52
